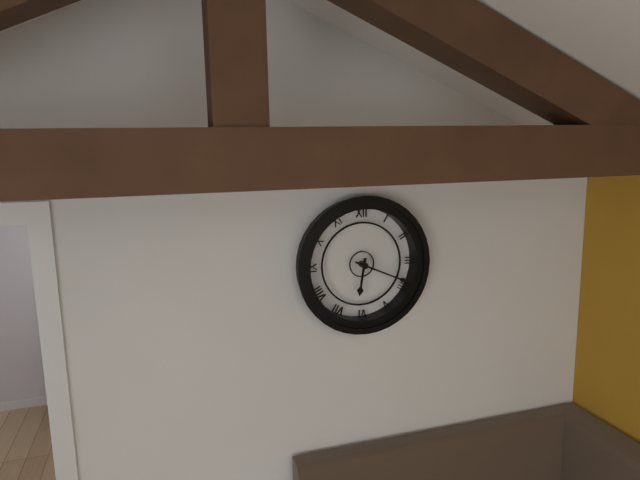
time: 6:19
